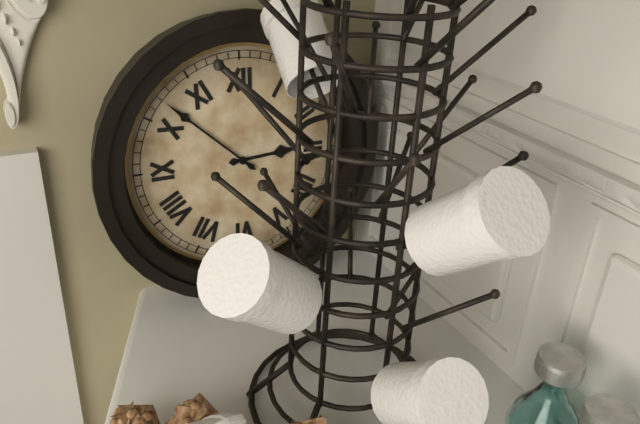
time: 2:52
